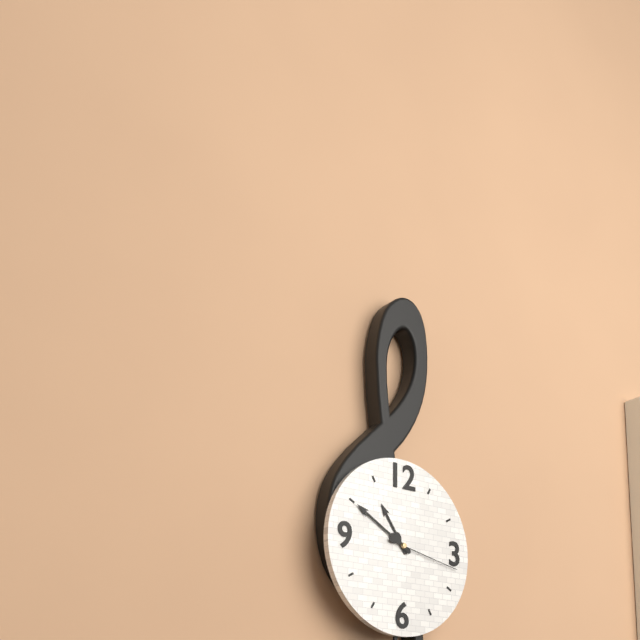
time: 10:50:17
